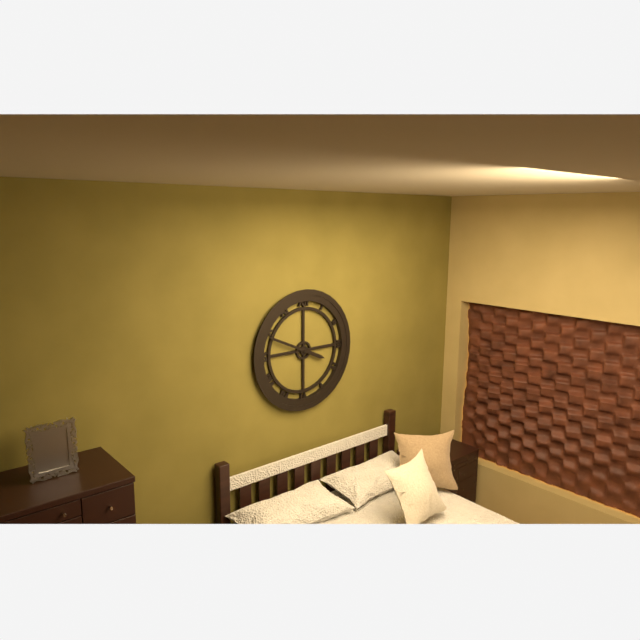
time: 3:49
